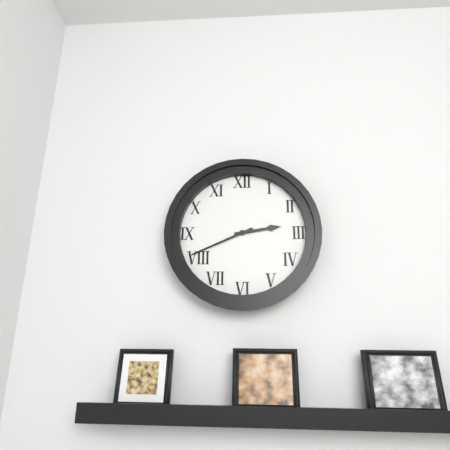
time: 2:41
